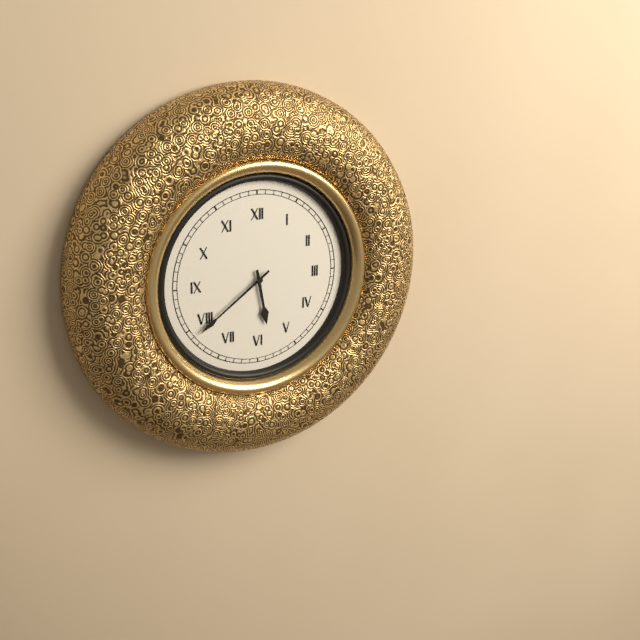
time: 5:39
